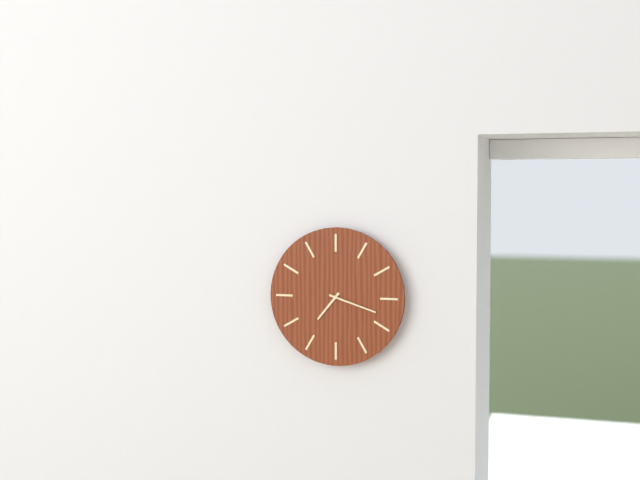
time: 7:18
